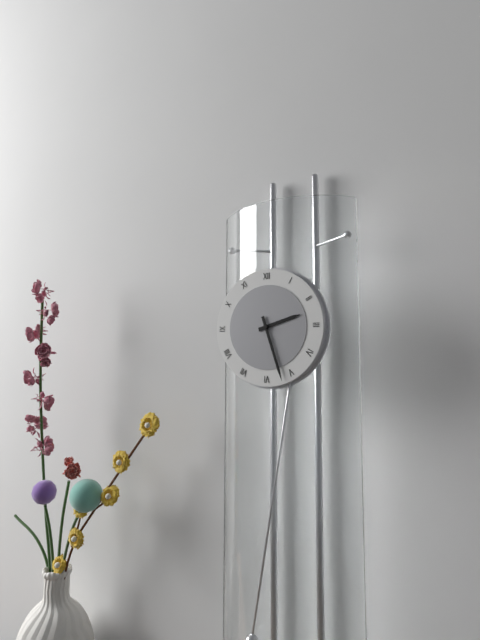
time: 2:27
